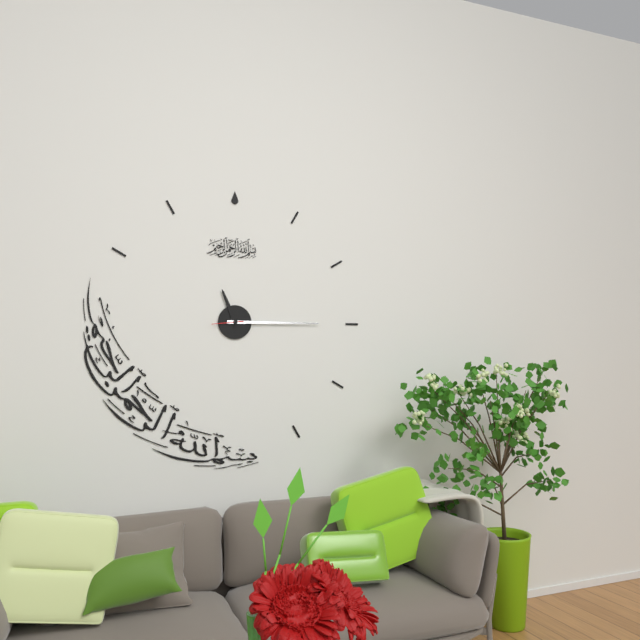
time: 11:15
